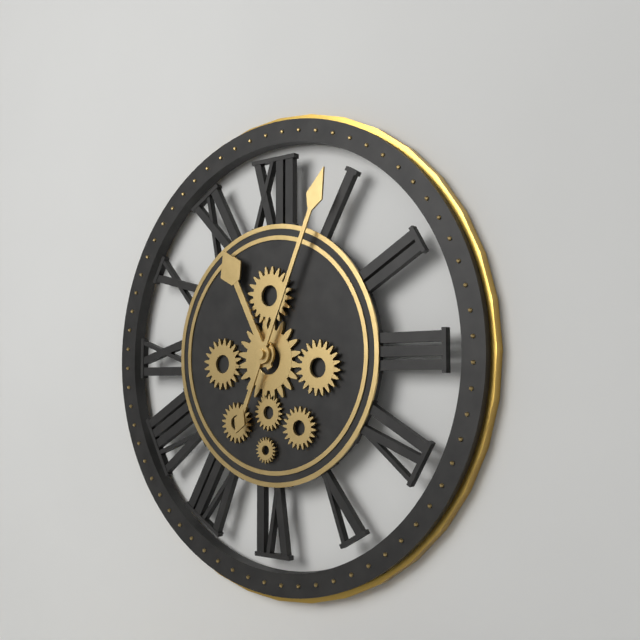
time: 11:04
